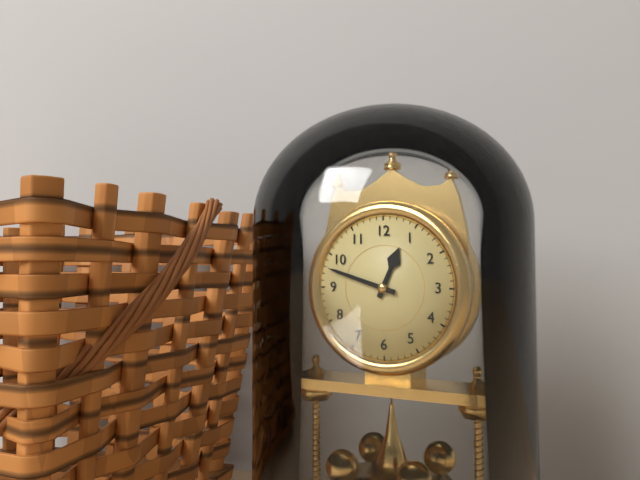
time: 12:48
